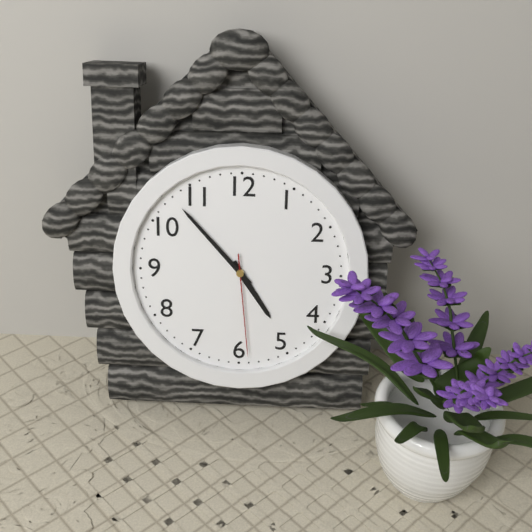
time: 4:53:29
